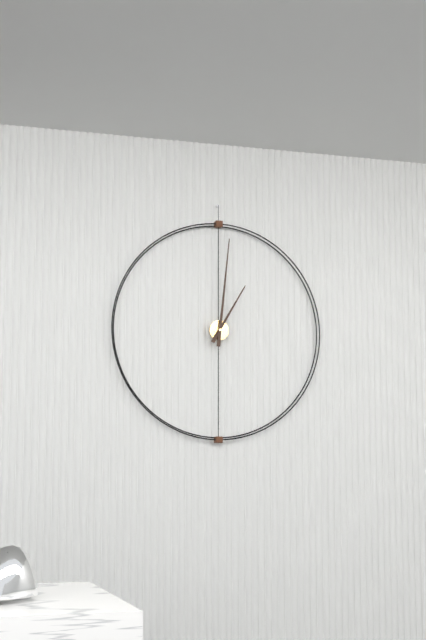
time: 1:01
